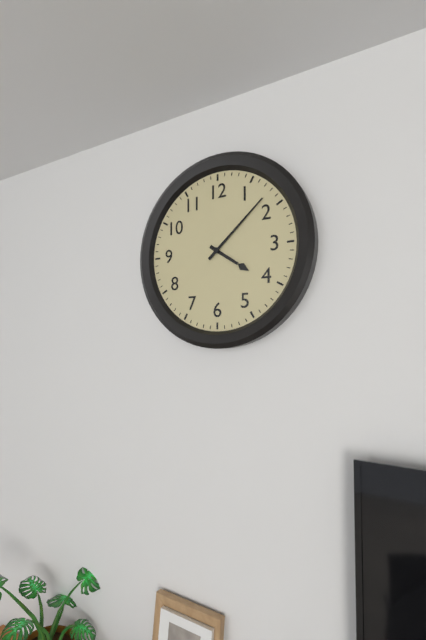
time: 4:08
